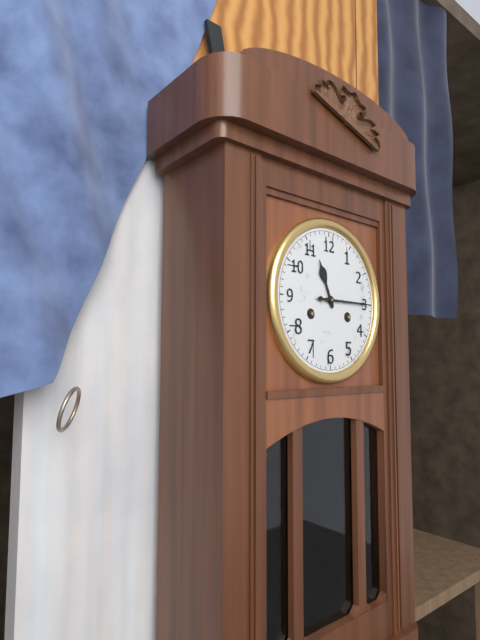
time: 11:15
